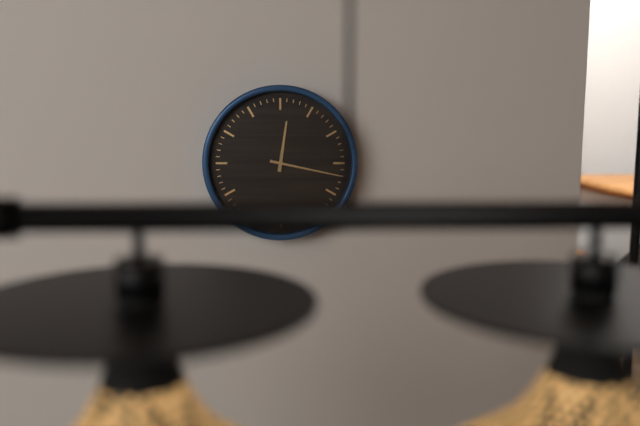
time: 12:17
